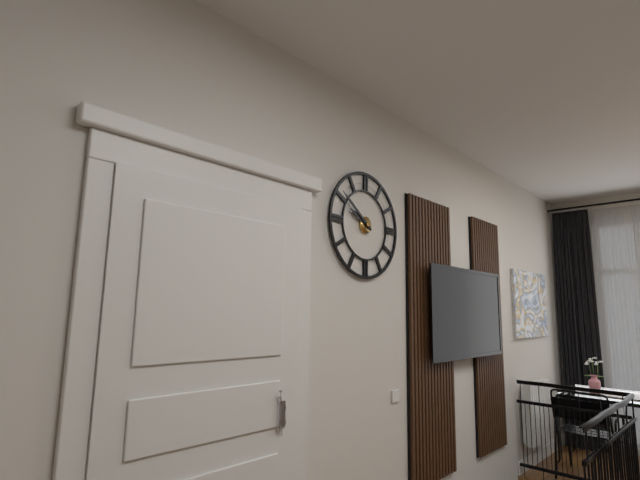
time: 9:51
